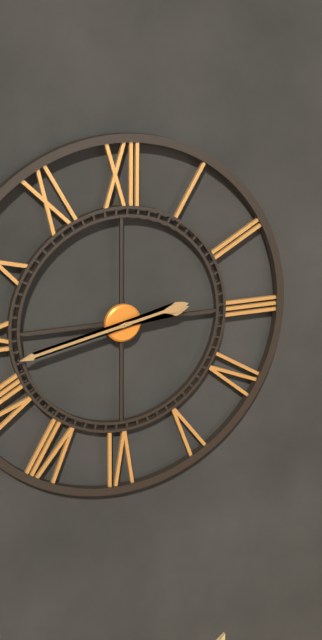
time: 2:43
